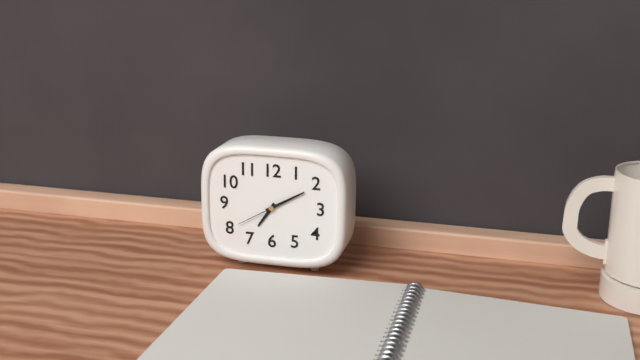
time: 7:10
